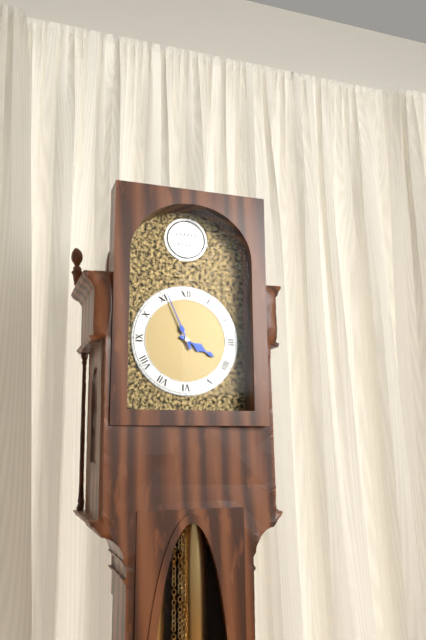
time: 3:56
